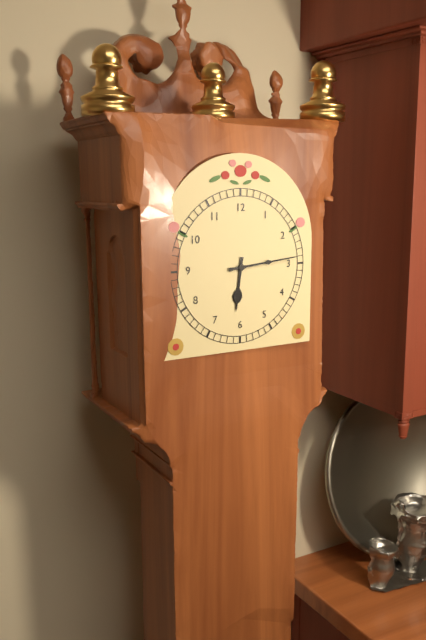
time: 6:14
